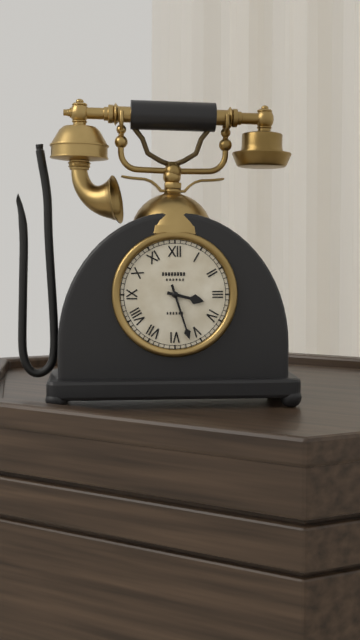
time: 3:27
